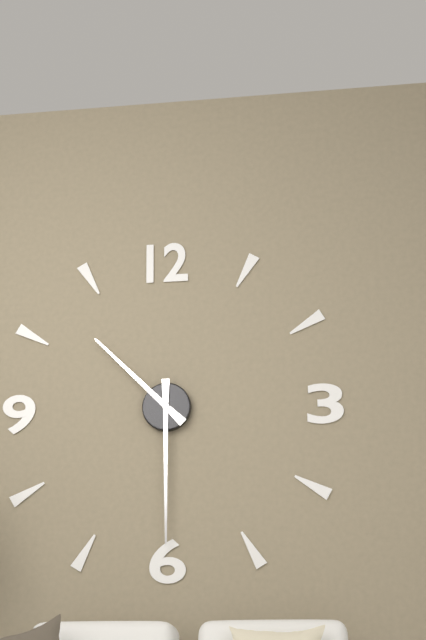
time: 10:30
